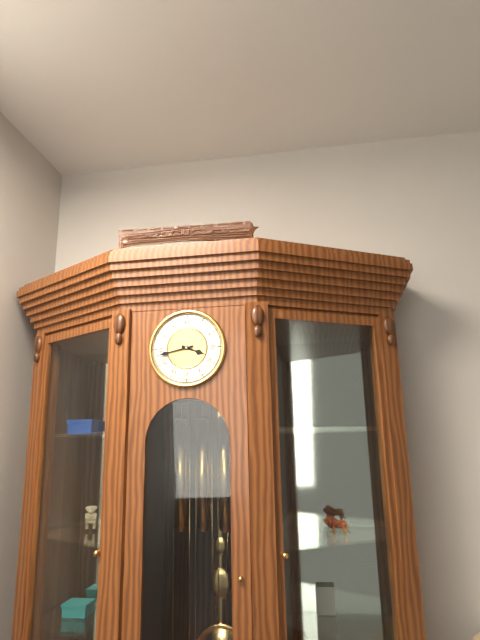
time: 3:43
